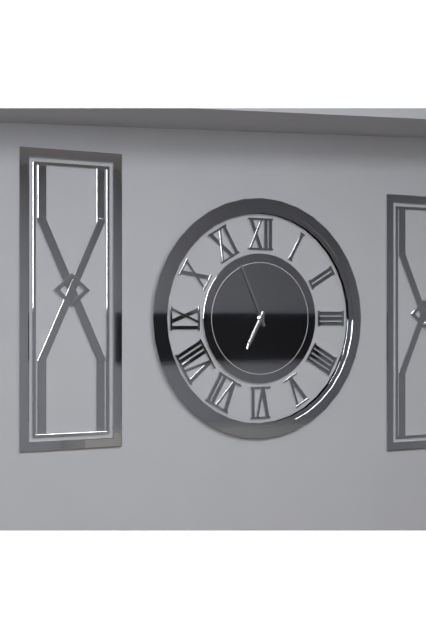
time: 6:56
